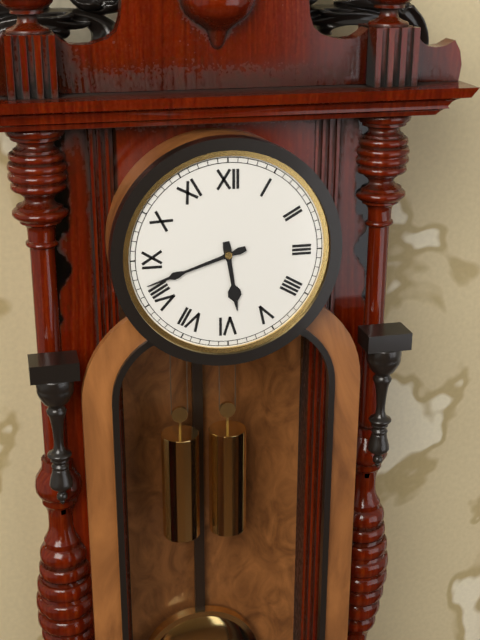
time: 5:42
